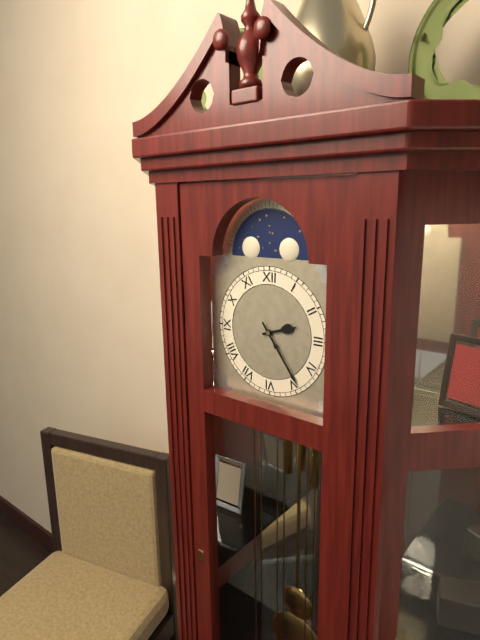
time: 2:24
